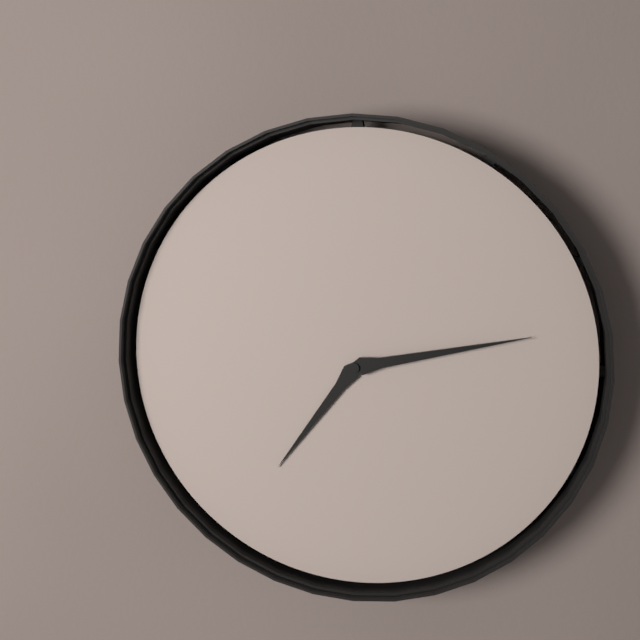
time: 7:13
